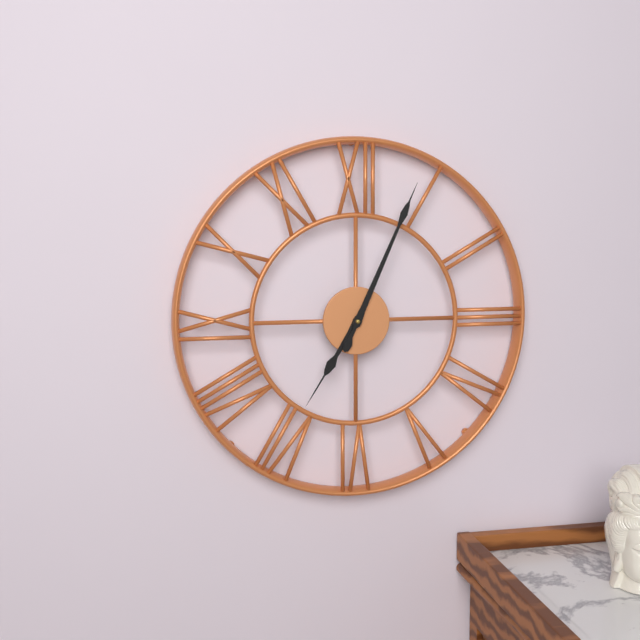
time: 7:04
